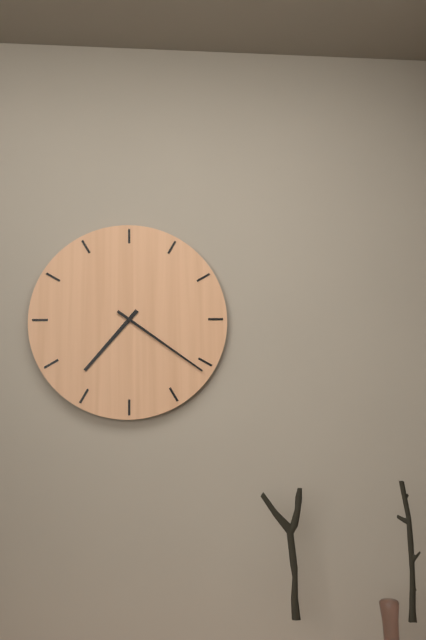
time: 7:21
